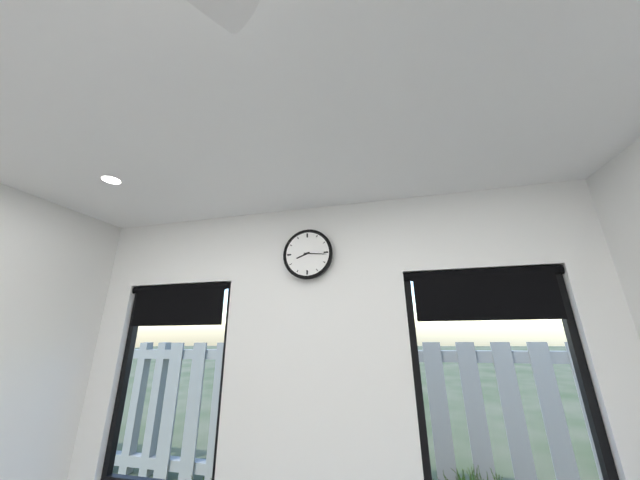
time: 8:16
